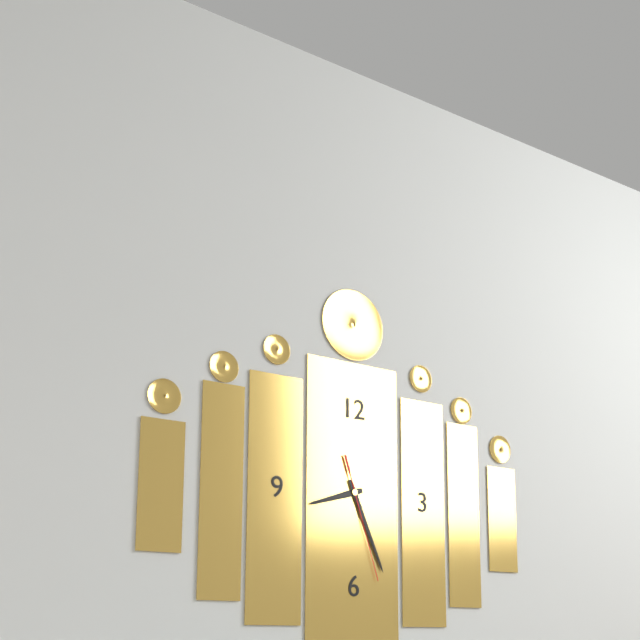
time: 8:26:27
